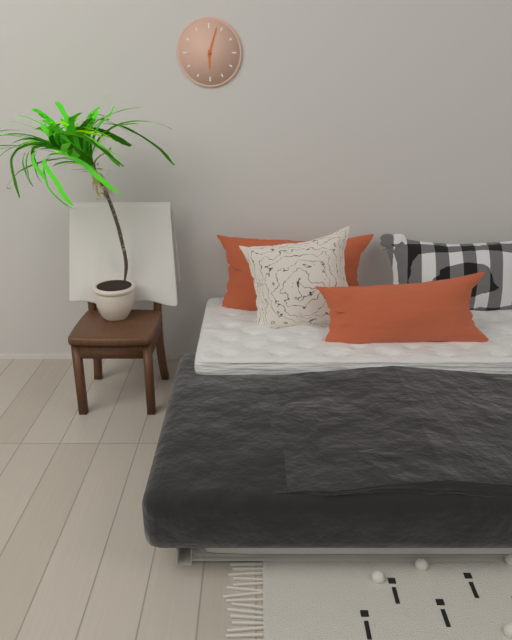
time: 6:03
